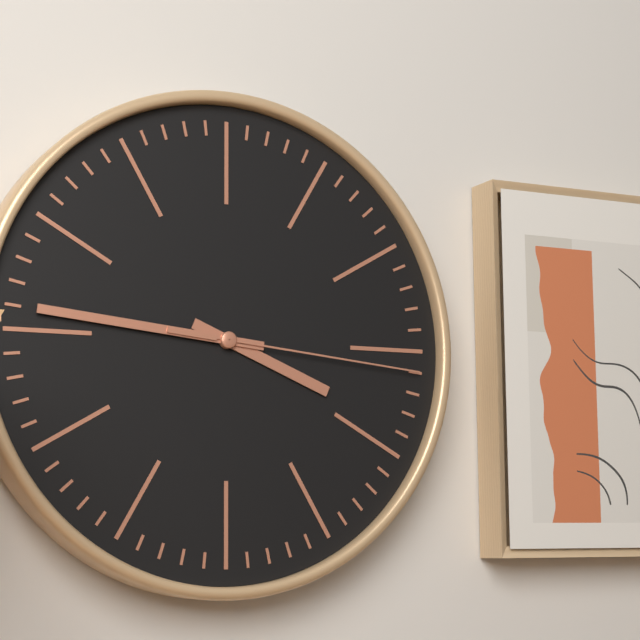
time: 3:46:16
